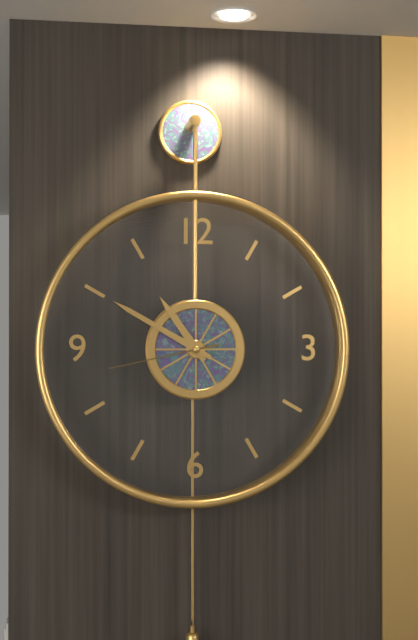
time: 10:50:43
